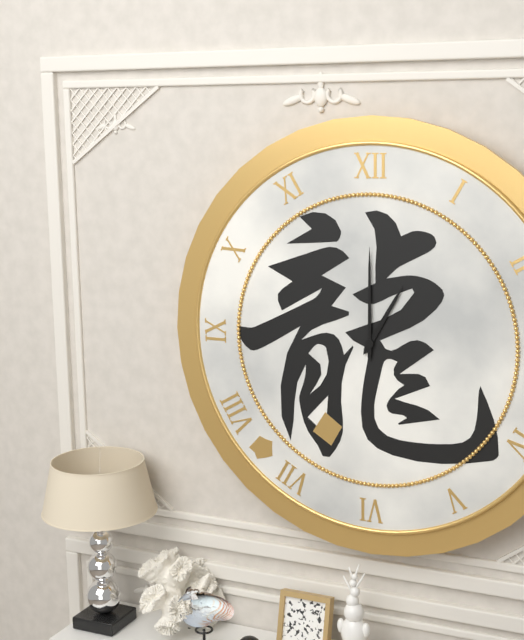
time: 1:00
